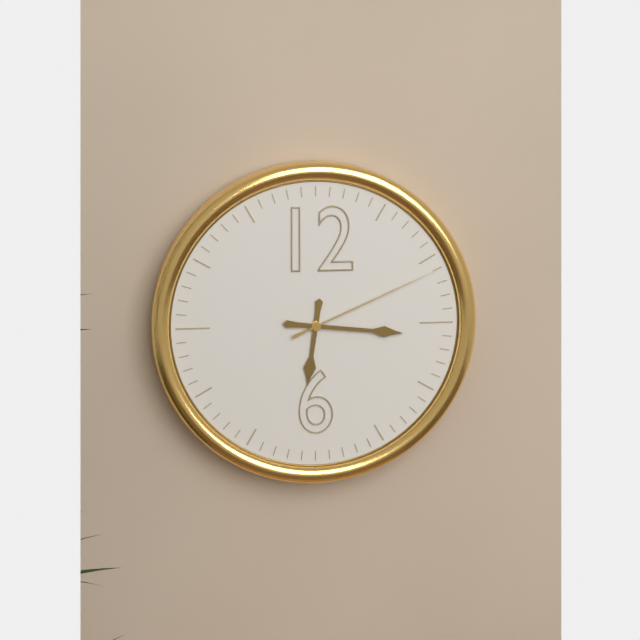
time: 6:16:11
